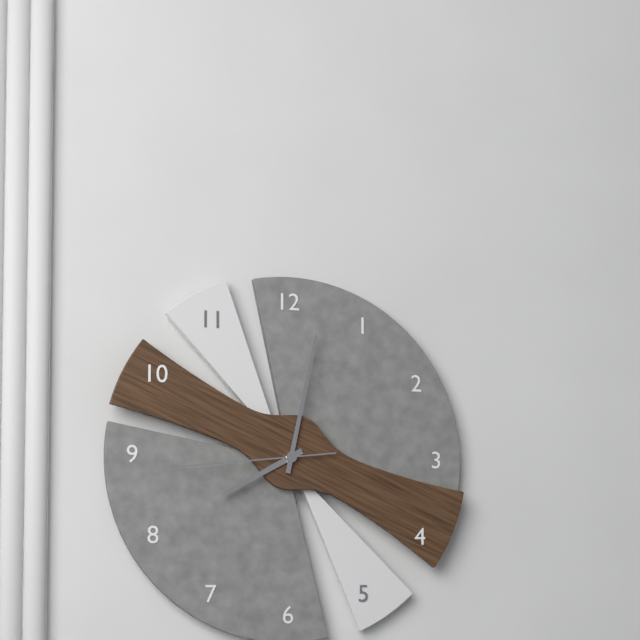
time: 8:02:44
